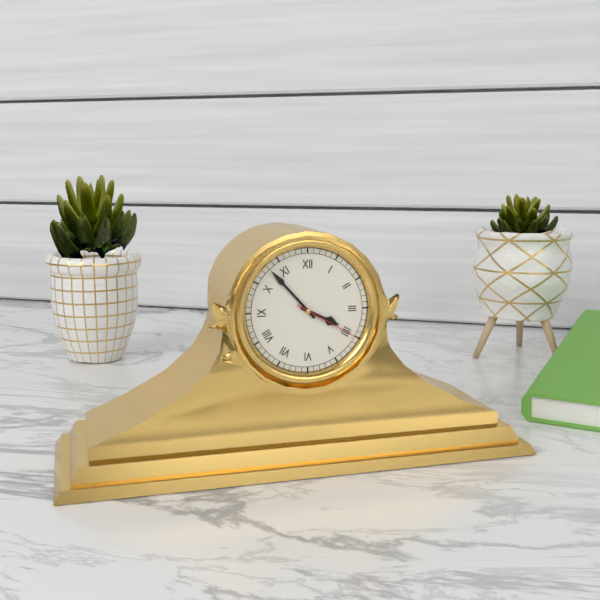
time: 3:53:20
